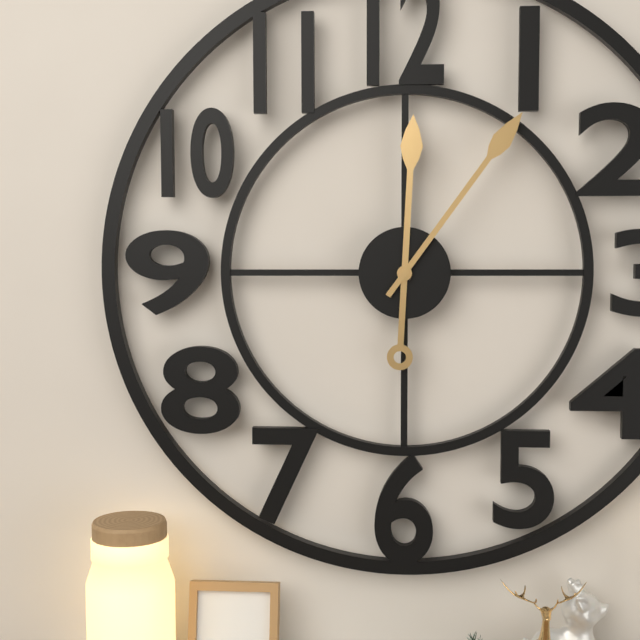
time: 12:06
